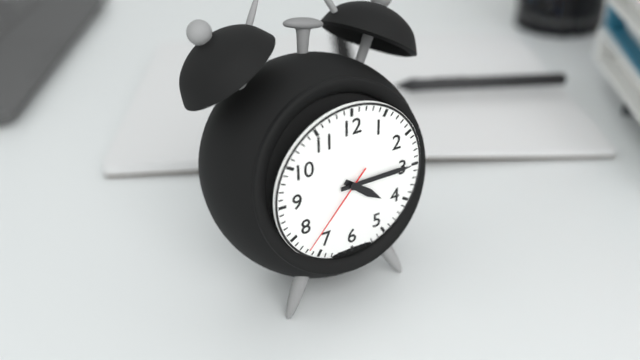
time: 4:15:37
